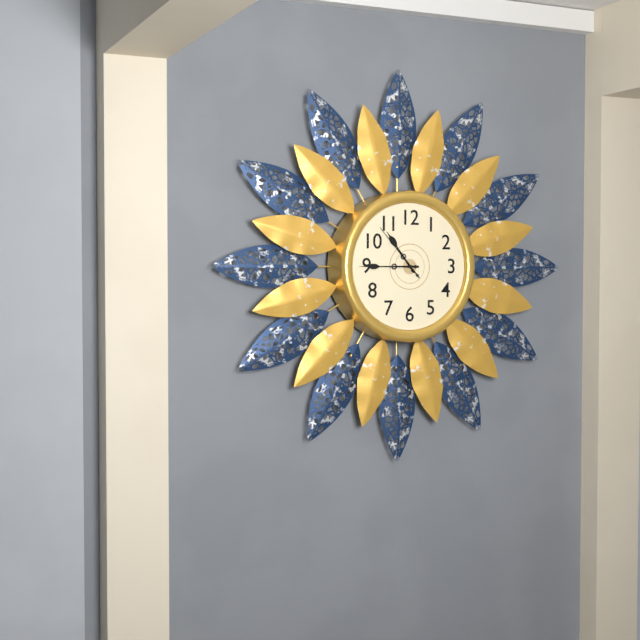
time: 10:45:53
